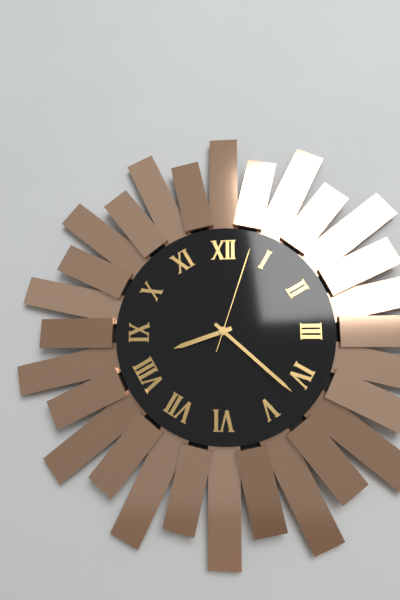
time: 8:22:03
